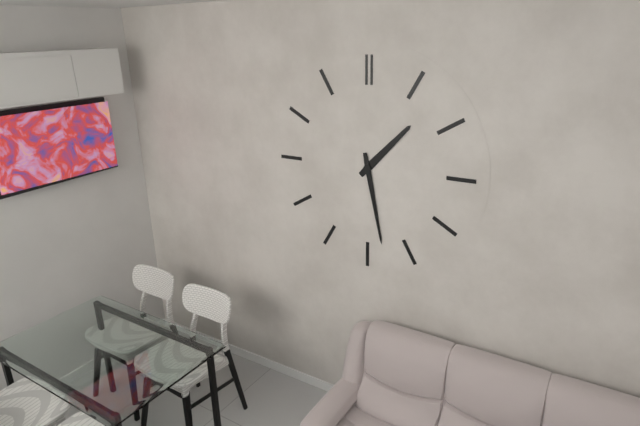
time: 1:28
